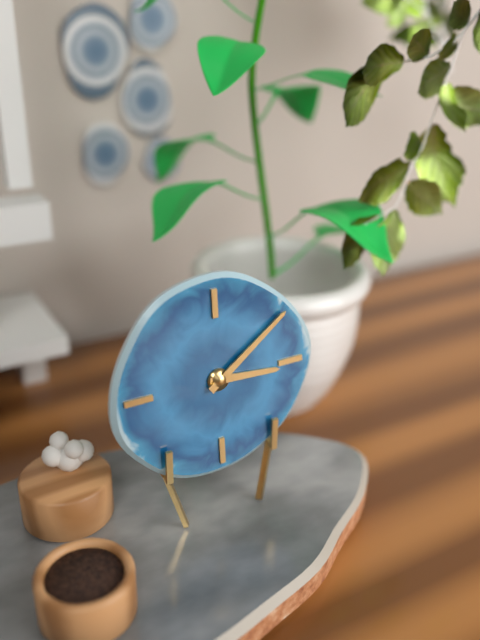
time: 3:09
